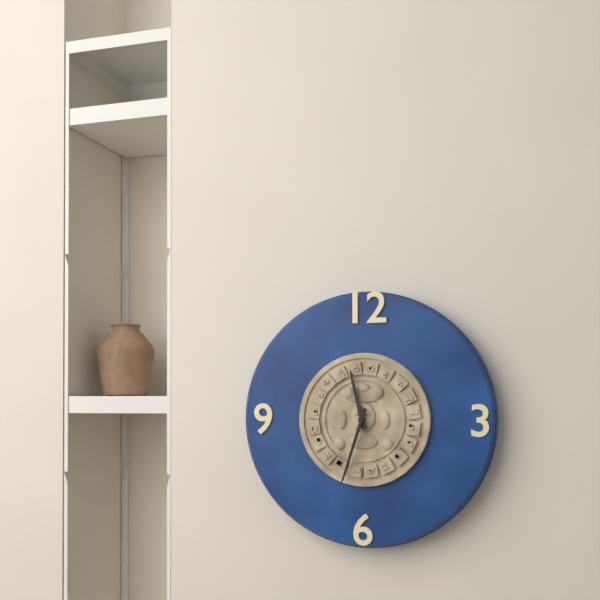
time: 11:33
